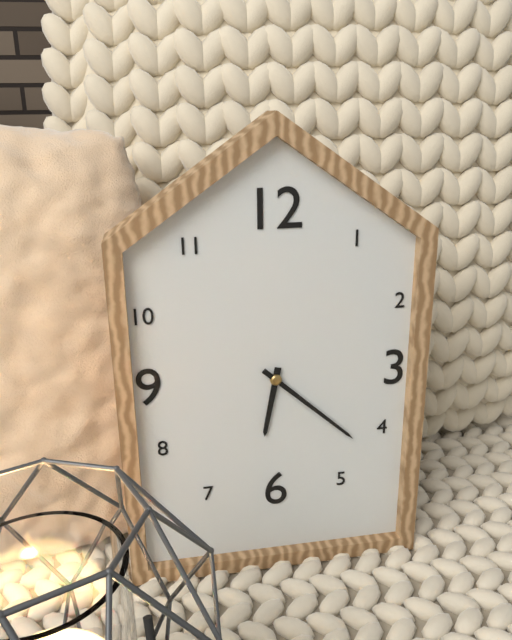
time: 6:22
